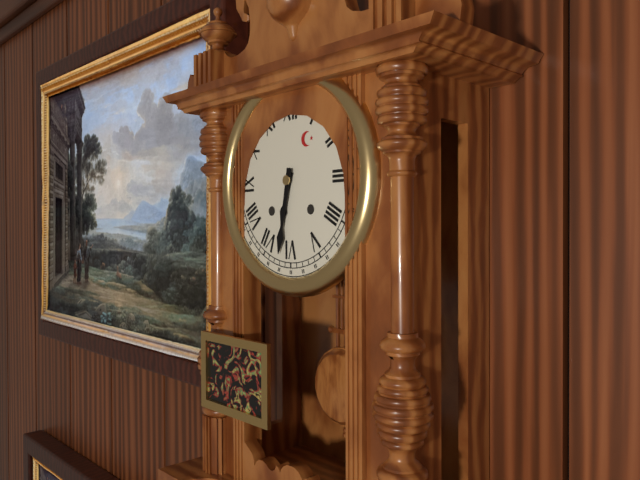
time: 6:32
